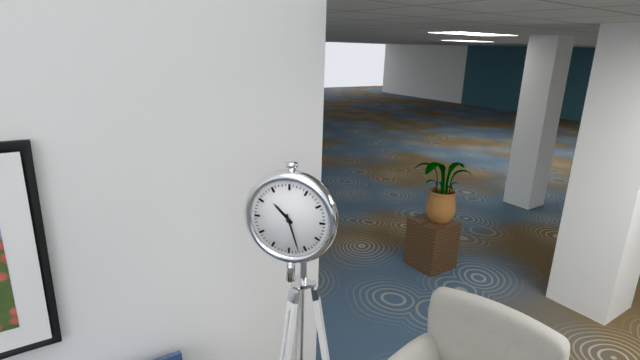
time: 10:27
